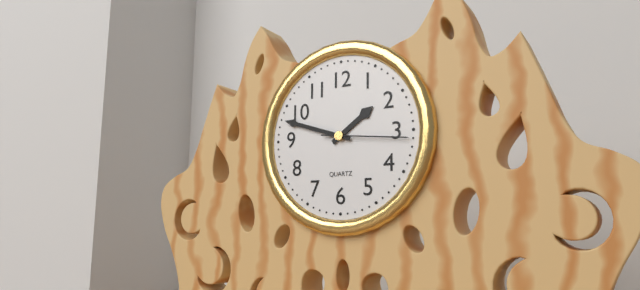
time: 1:48:16
